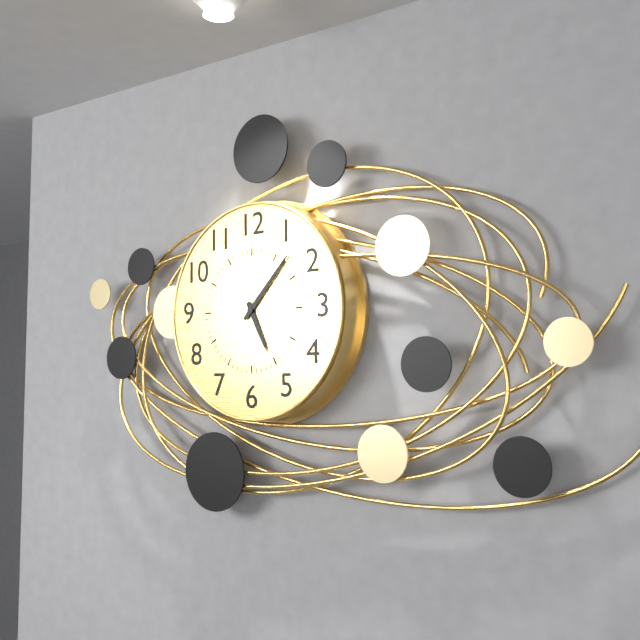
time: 5:07
